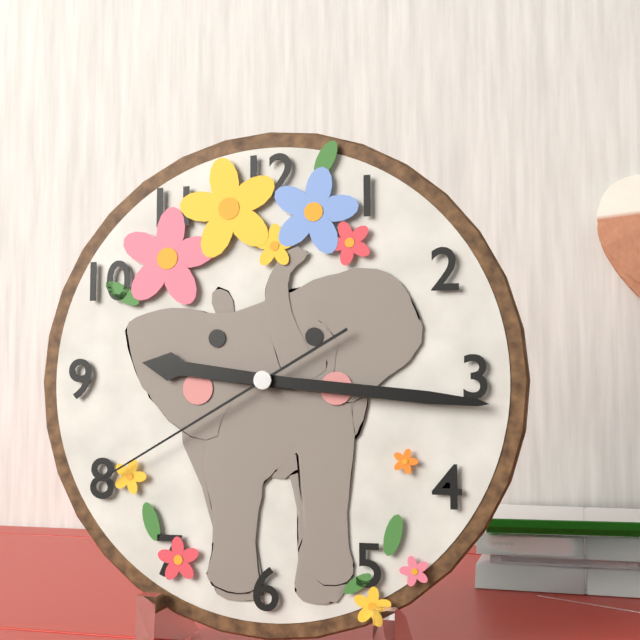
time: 9:16:40
